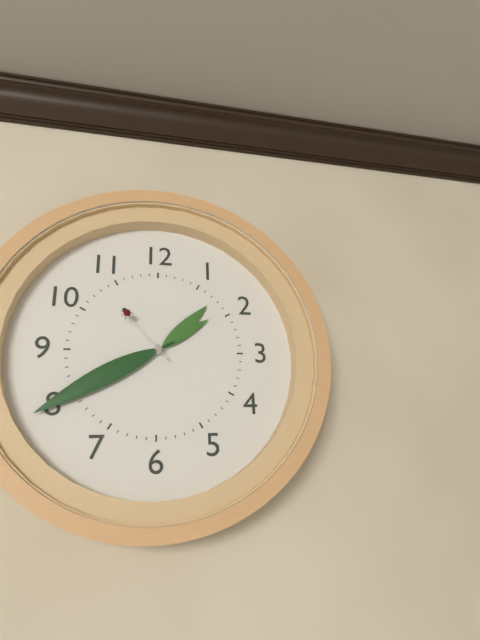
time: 1:40:53
